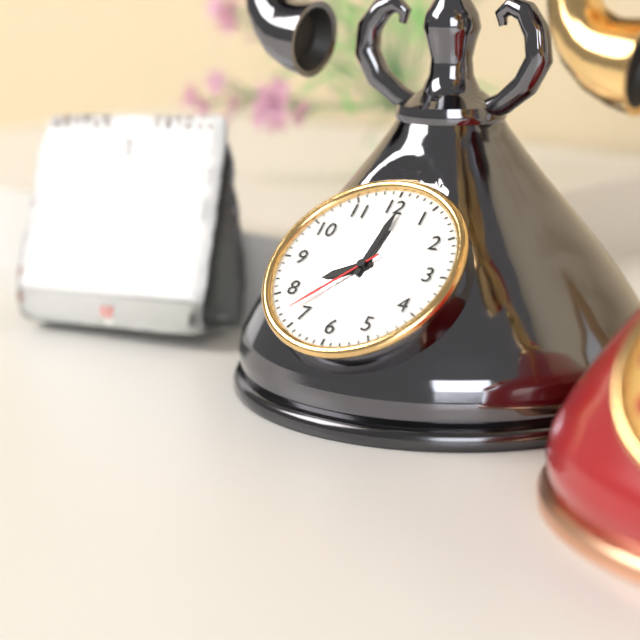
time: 8:01:37
